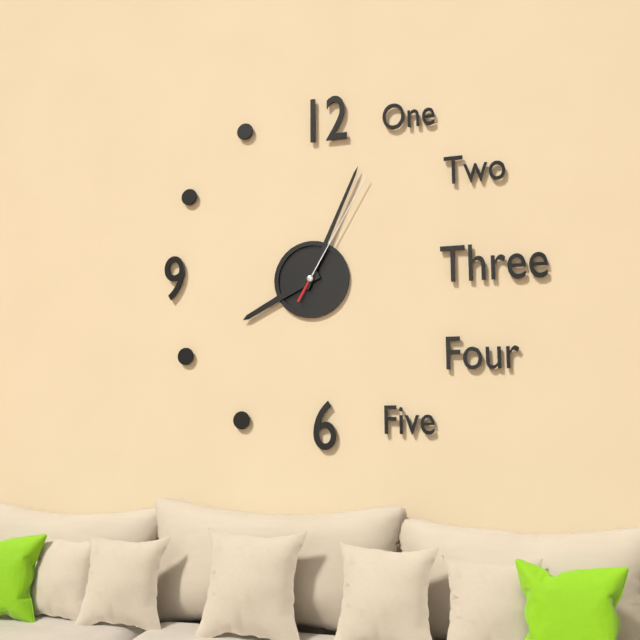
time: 8:04:05
